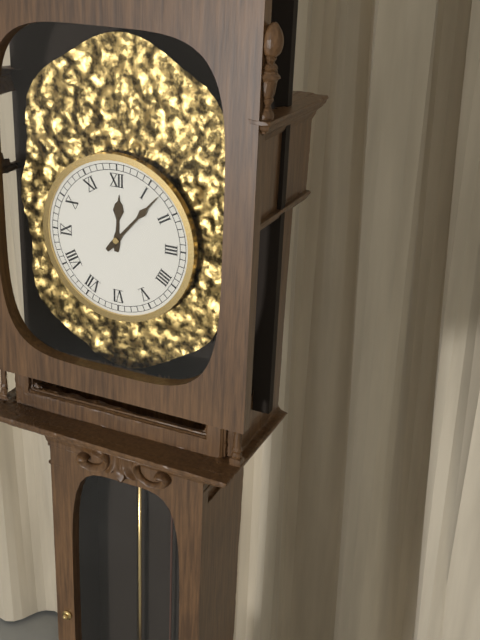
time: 12:07
